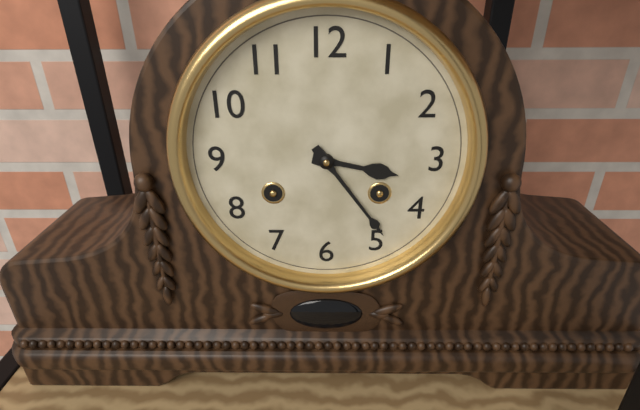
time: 3:24
